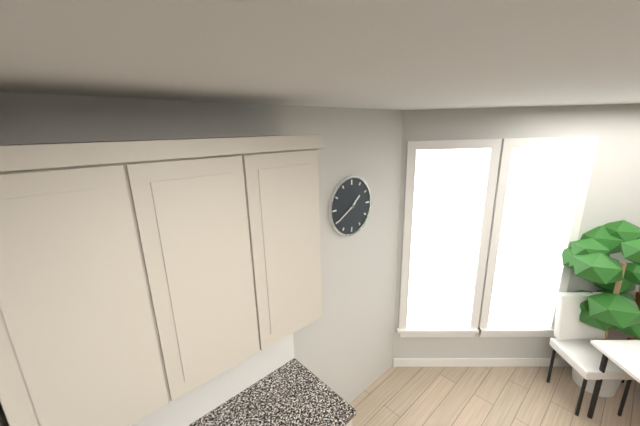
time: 1:40
